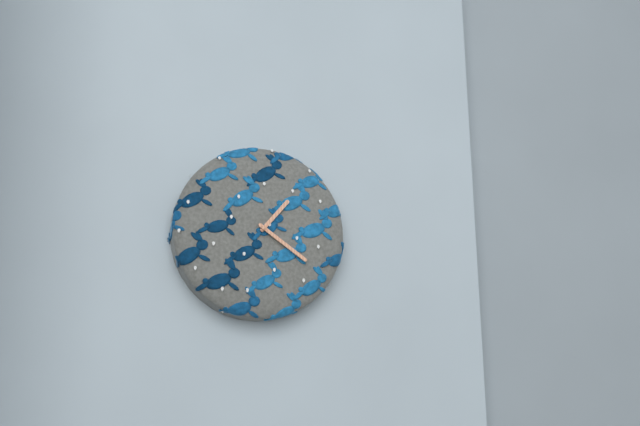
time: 1:21
